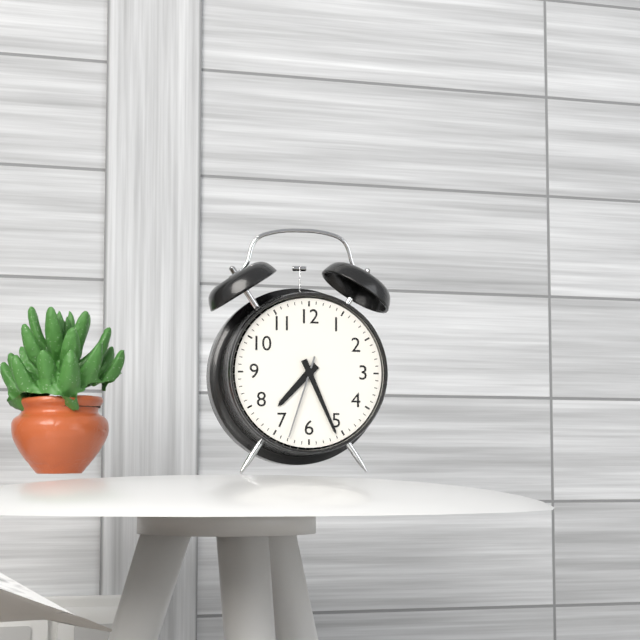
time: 7:26:33
